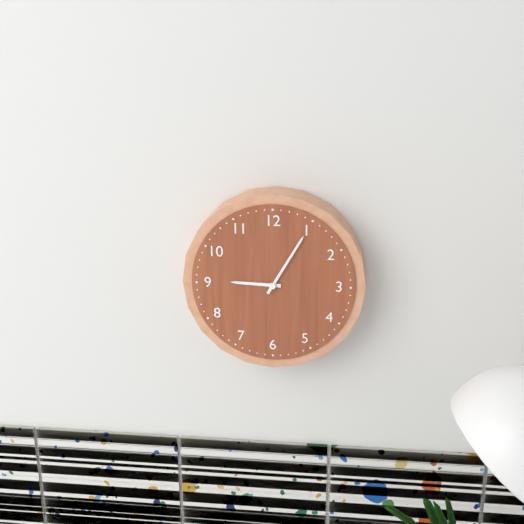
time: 9:05
